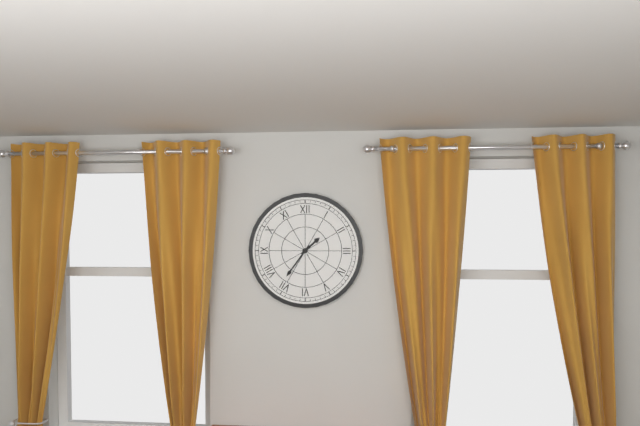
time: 1:36
